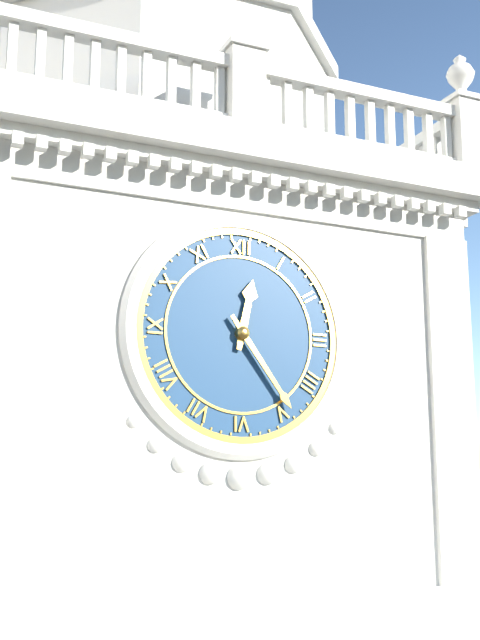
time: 12:24
